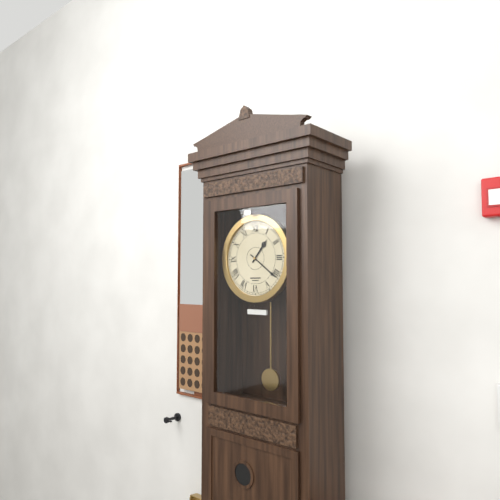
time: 1:21
